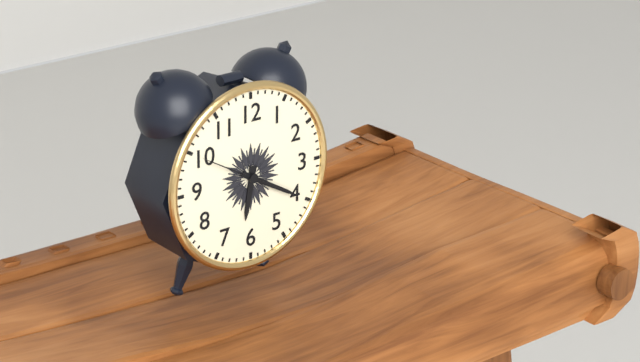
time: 6:20:50
